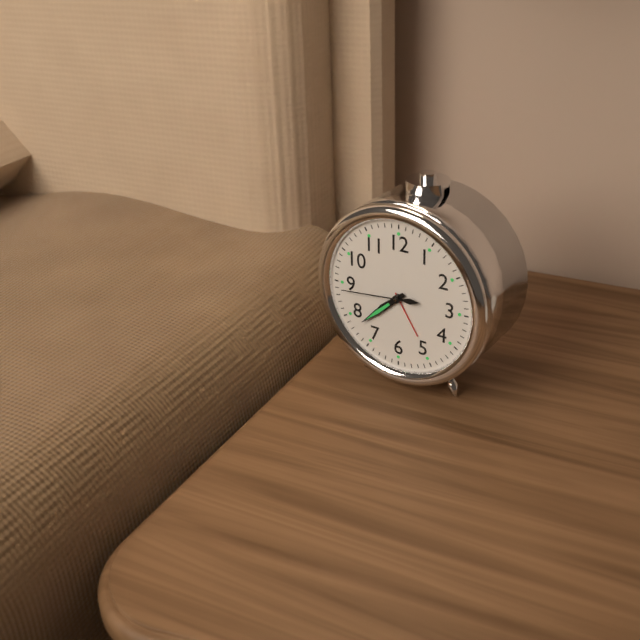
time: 7:38:44
